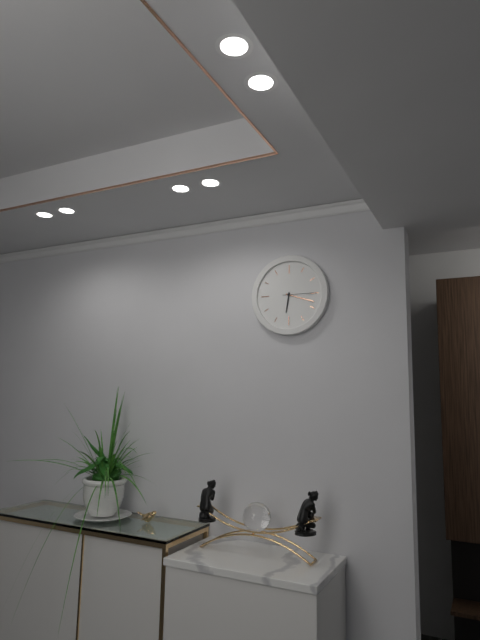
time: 6:18
